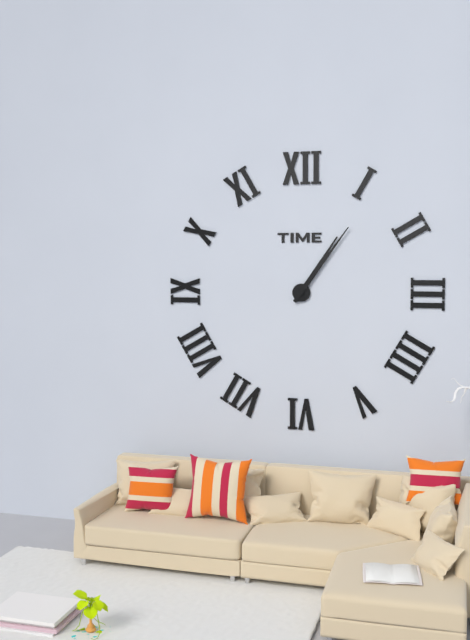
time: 1:06
